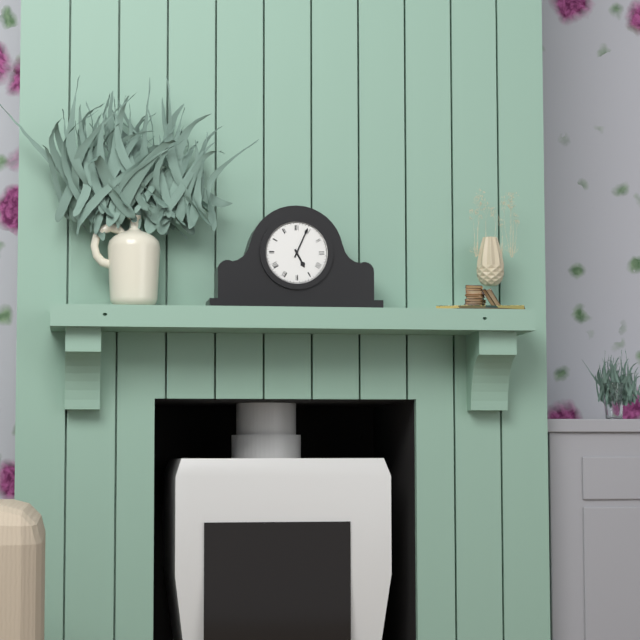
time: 5:04
